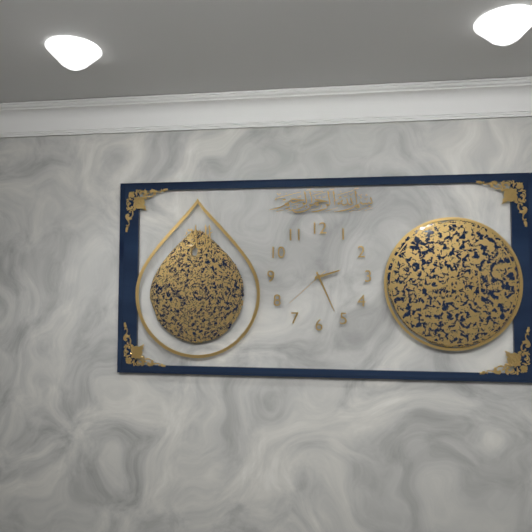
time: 2:26:38
